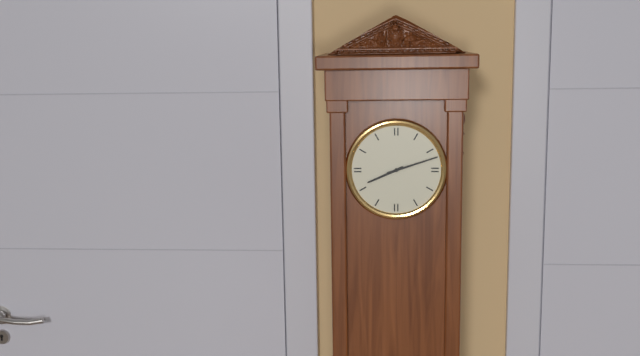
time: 8:12
